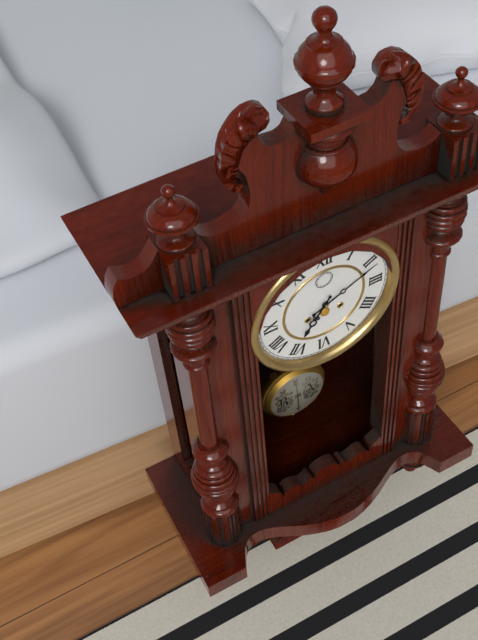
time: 7:11
